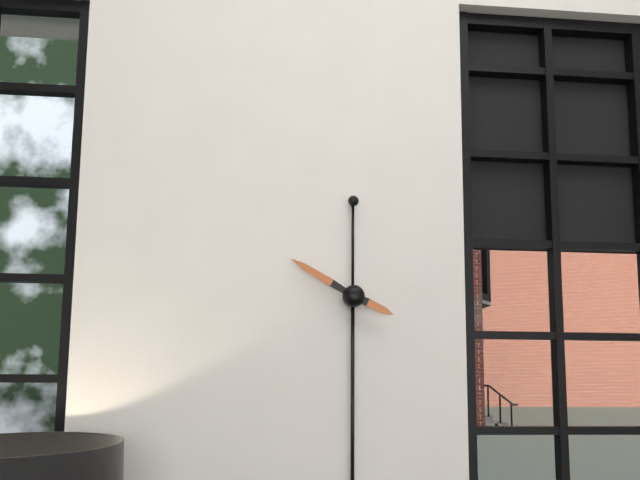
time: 3:50
